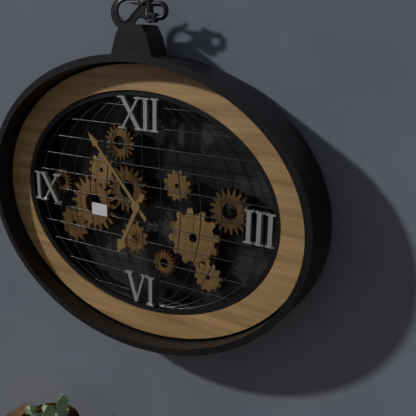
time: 6:53
